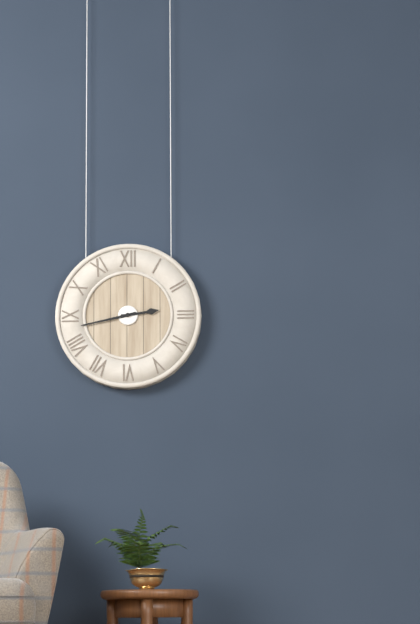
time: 2:43
